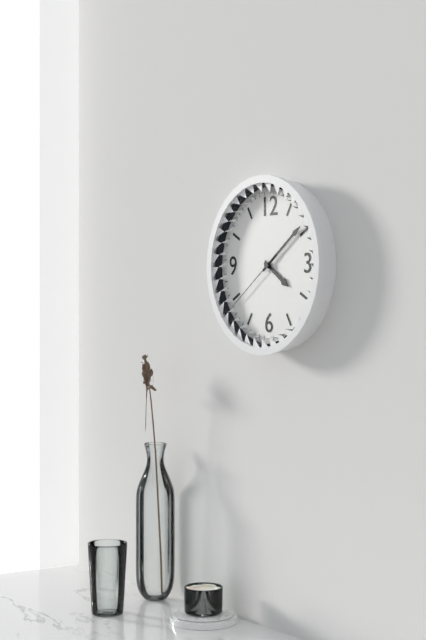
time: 4:09:39
